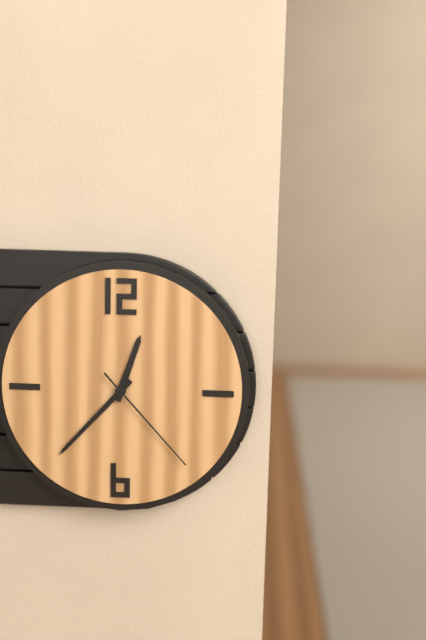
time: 12:37:23
